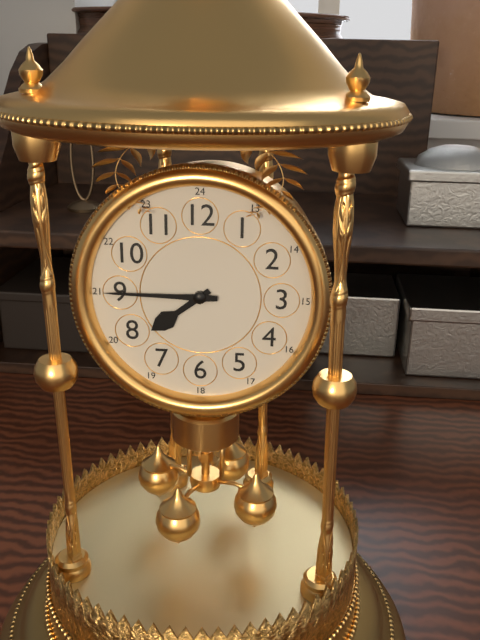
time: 7:45
